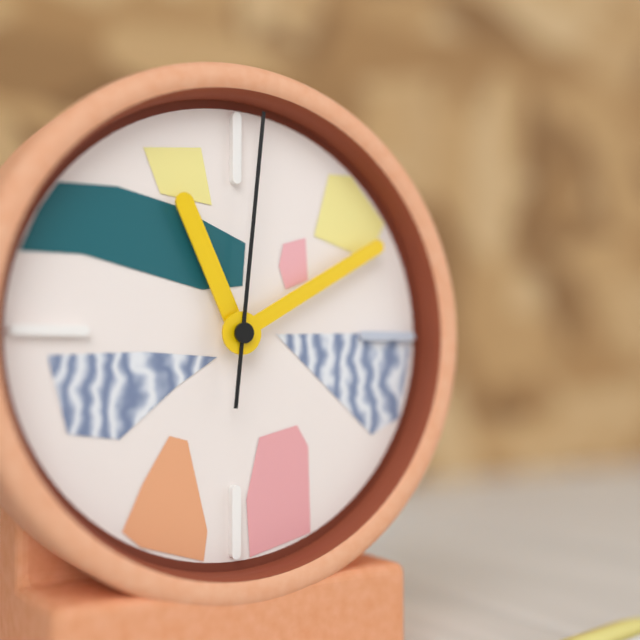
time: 11:10:01
